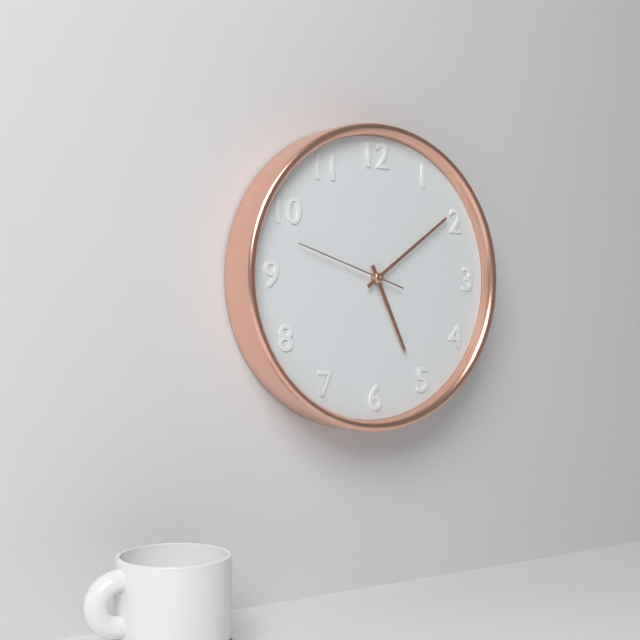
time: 5:09:48
